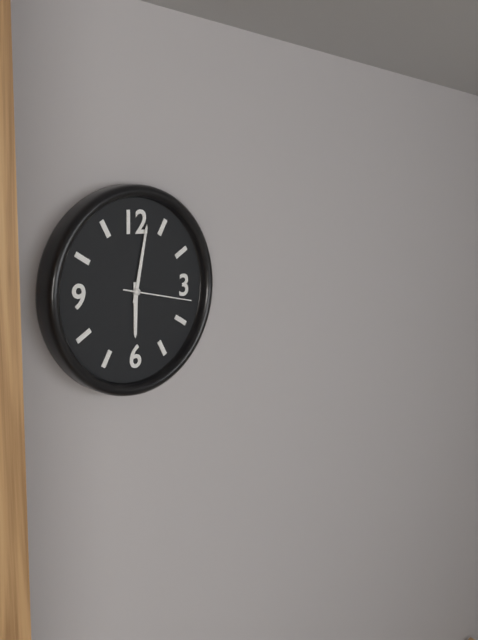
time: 6:02:17
